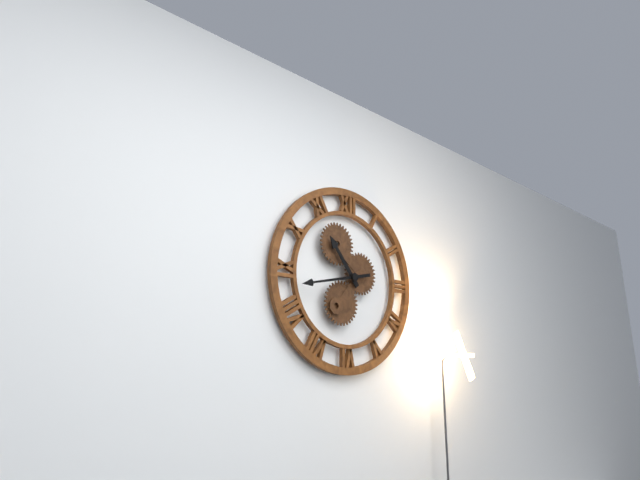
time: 10:43
